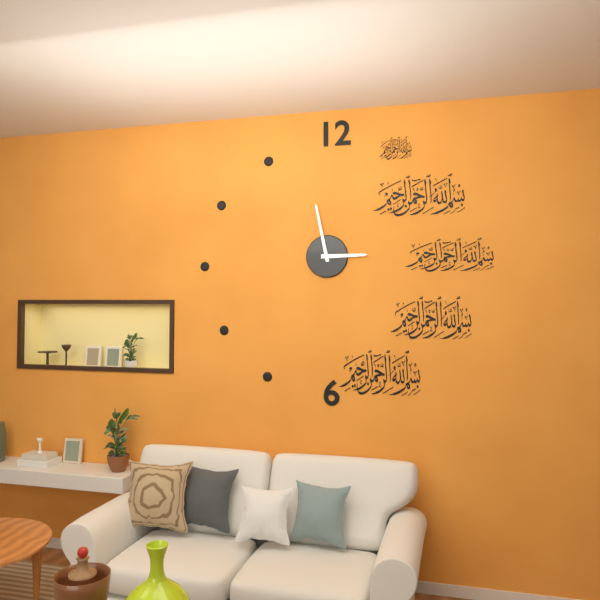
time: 2:58
